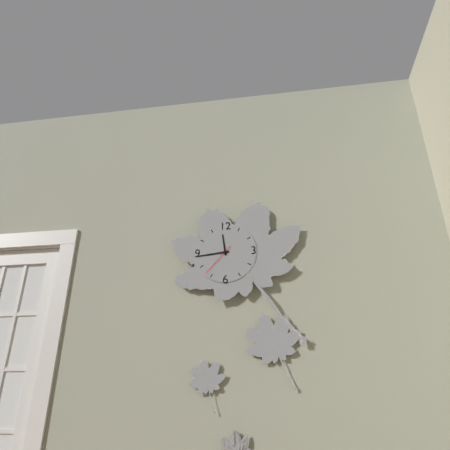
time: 11:44
